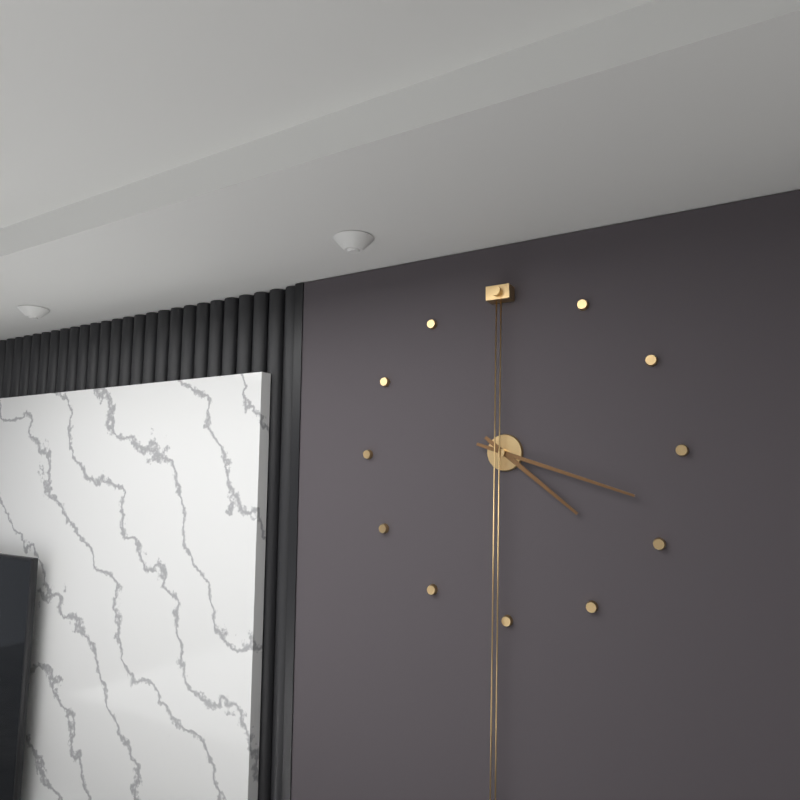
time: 4:18
